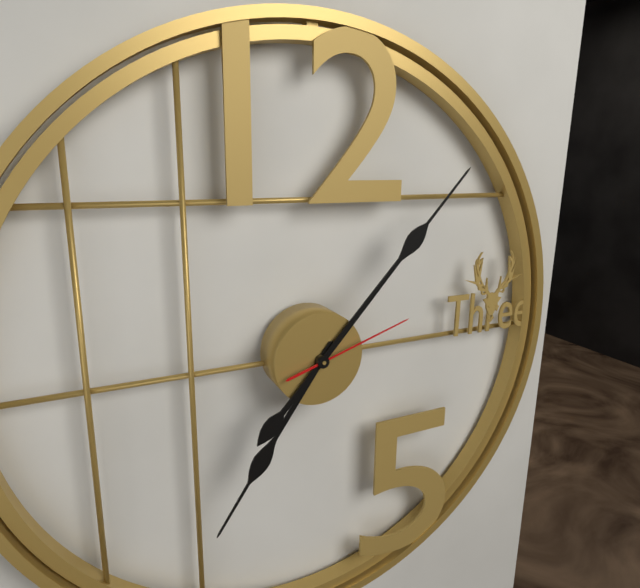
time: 7:07:12
